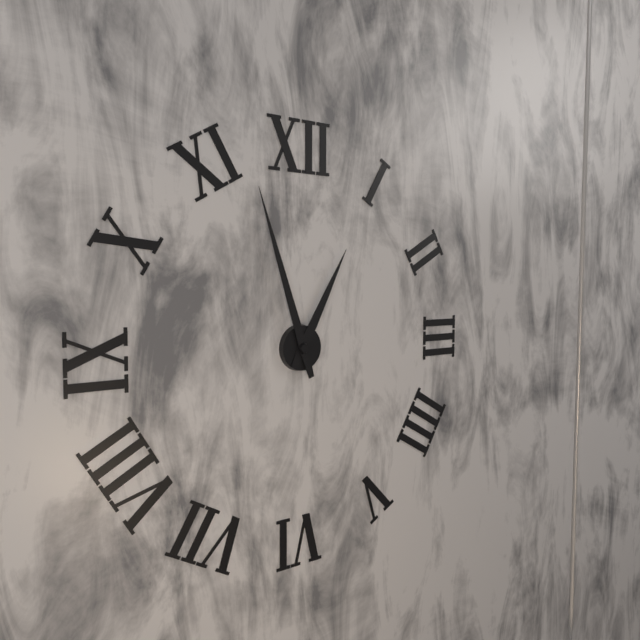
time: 12:57
